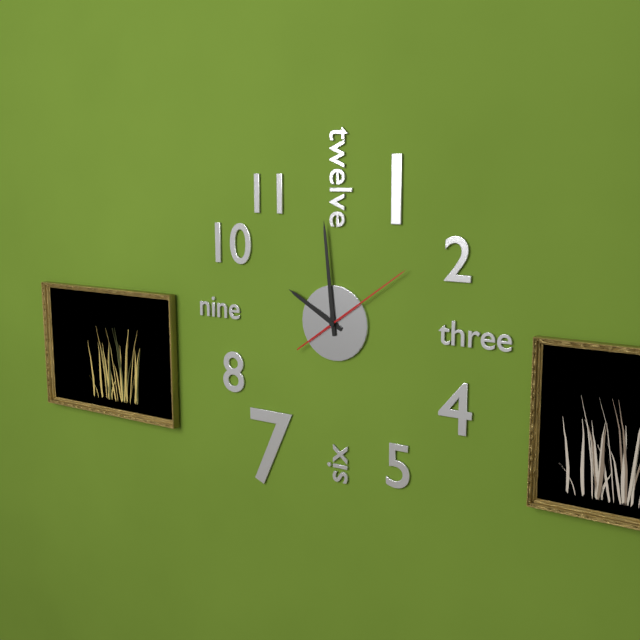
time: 9:59:09
